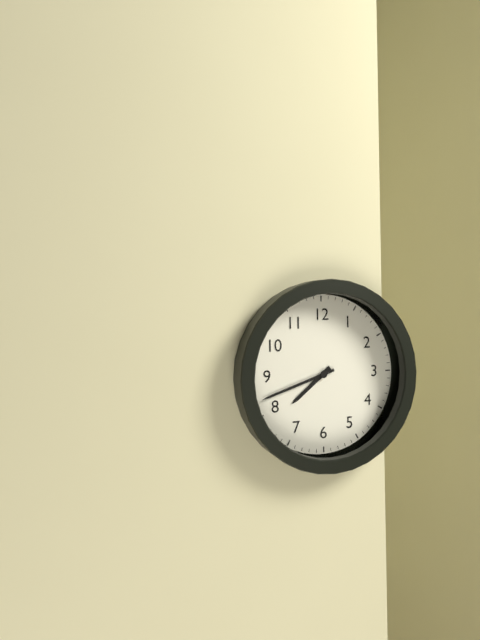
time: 7:42
